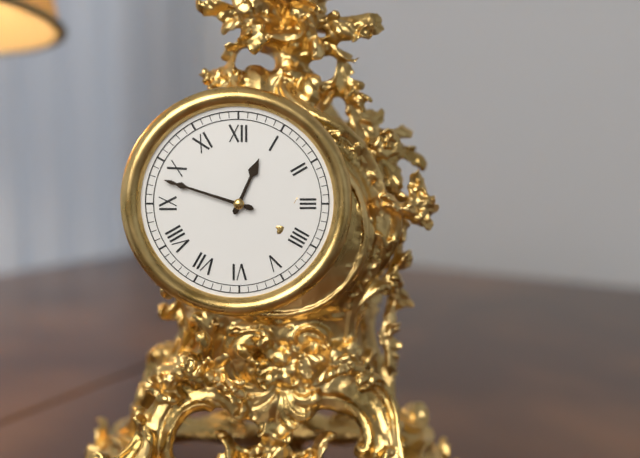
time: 12:48
